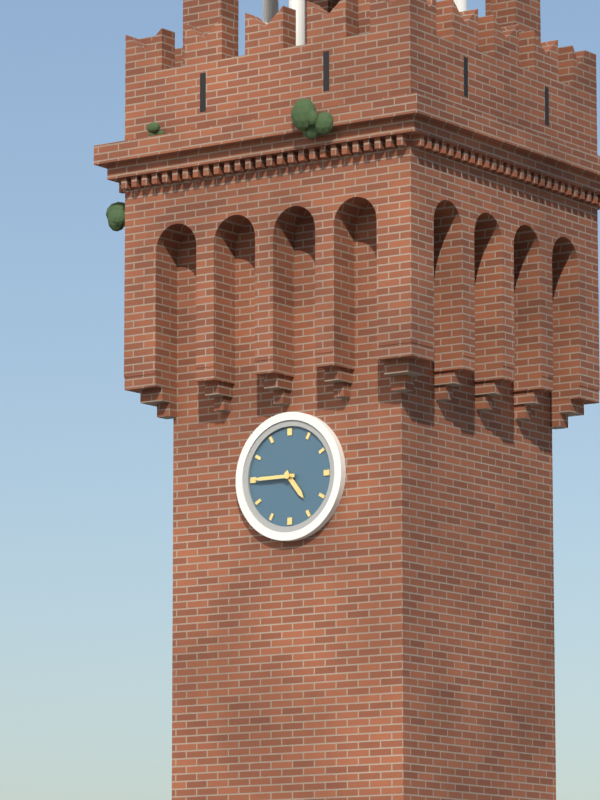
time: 4:45
